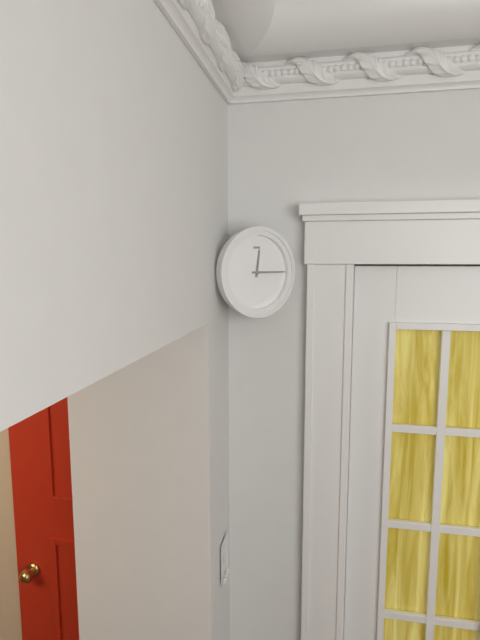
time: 12:15
